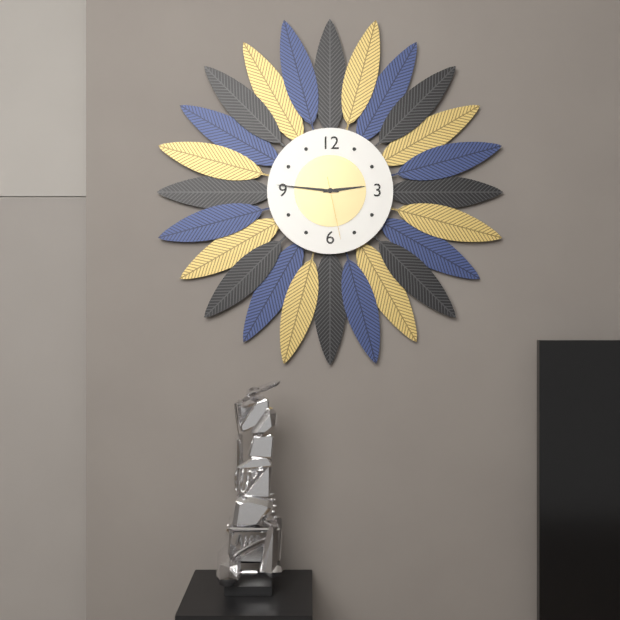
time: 2:46:28
